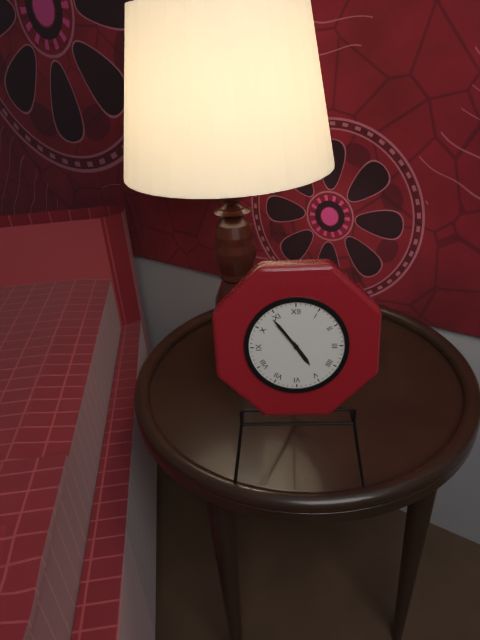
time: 4:54
